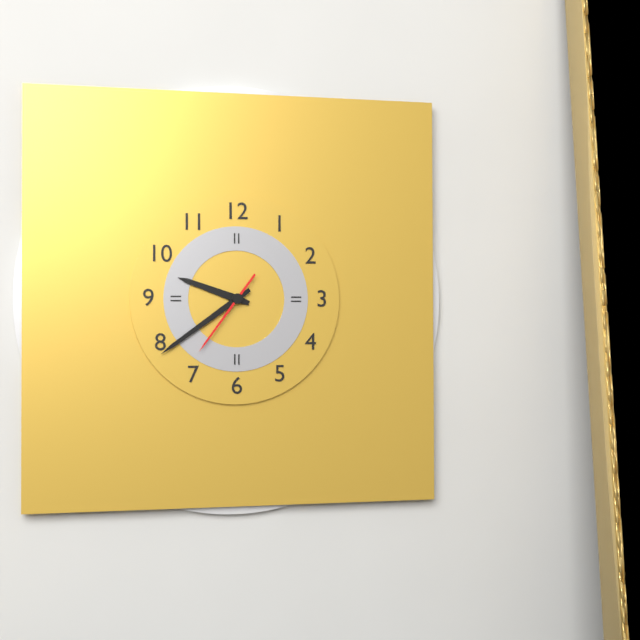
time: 9:39:36
